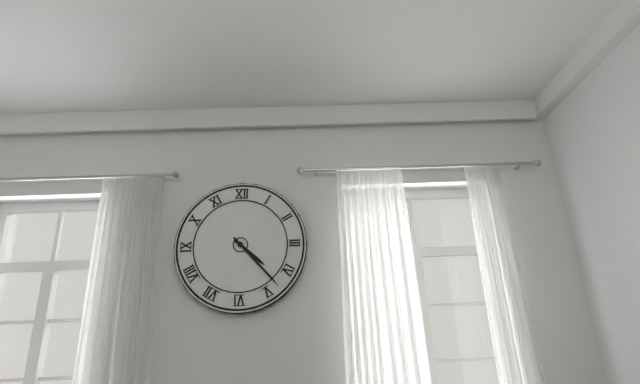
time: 4:23
